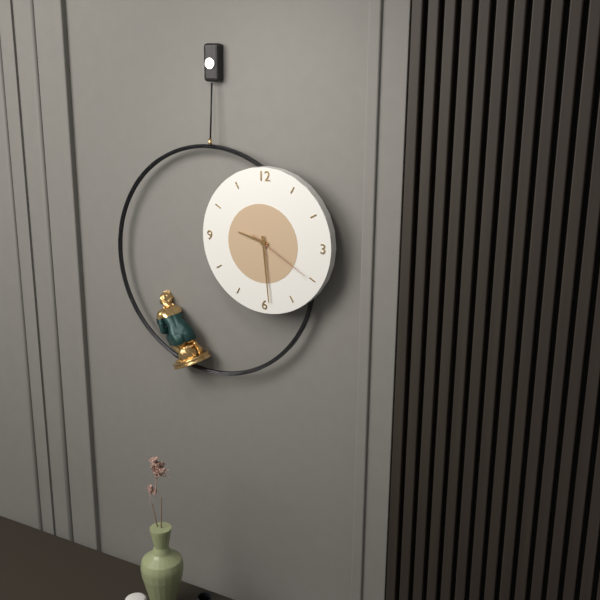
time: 9:29:20
